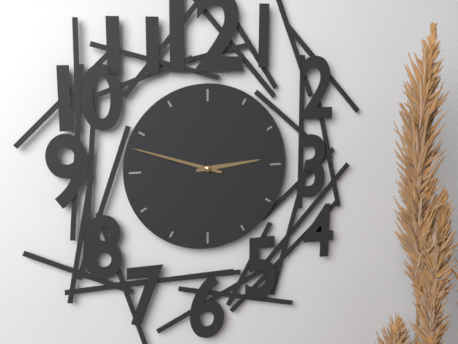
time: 2:48
